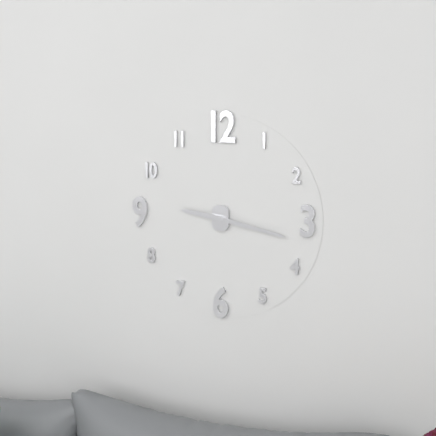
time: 9:17
